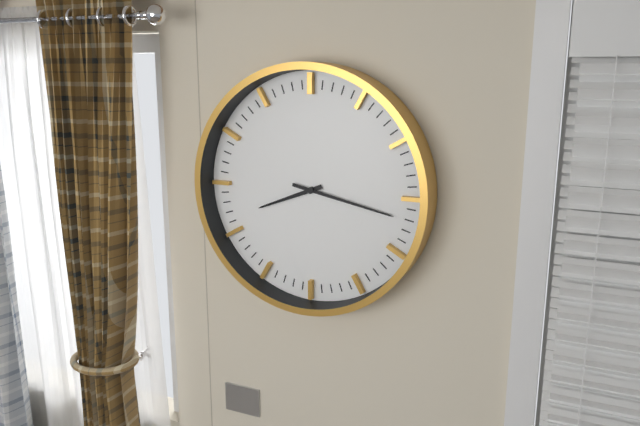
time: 8:17
